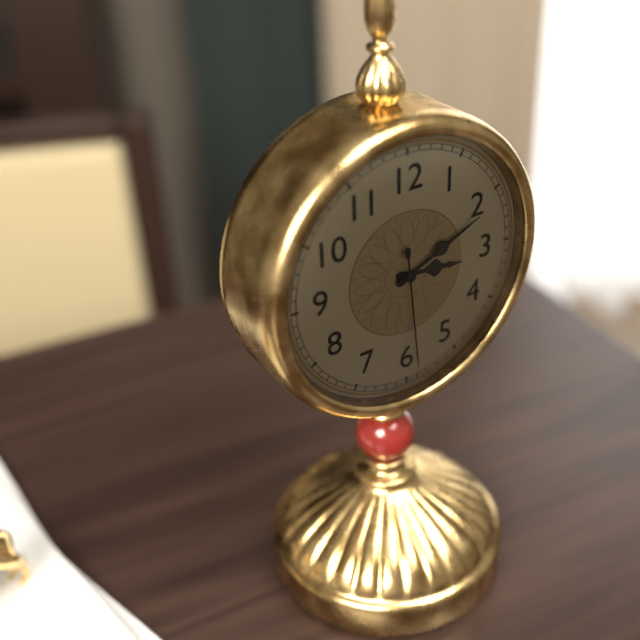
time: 3:11:29
